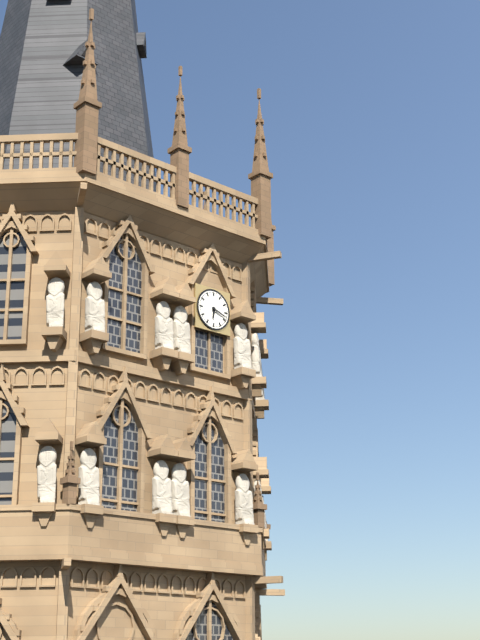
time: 6:18
